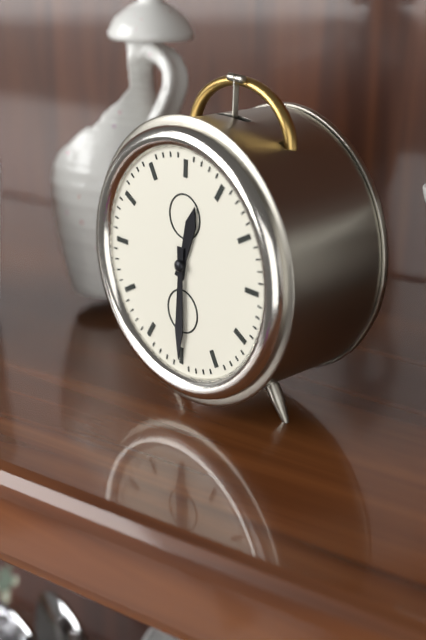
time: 12:30
